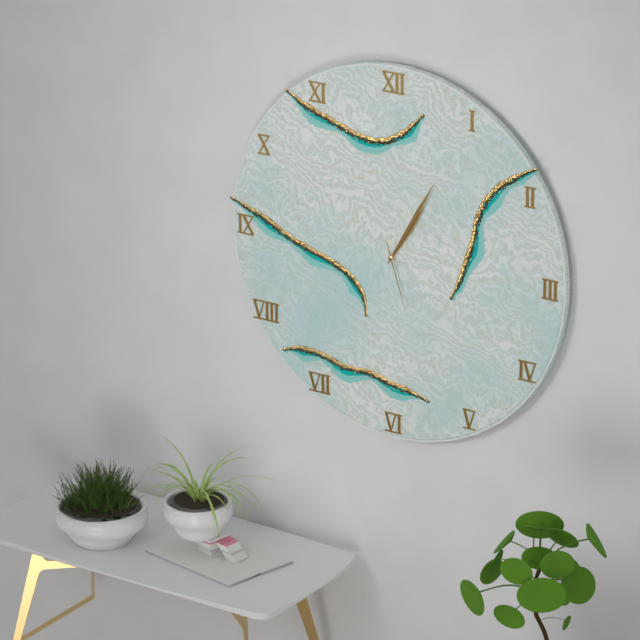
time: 1:05:27
